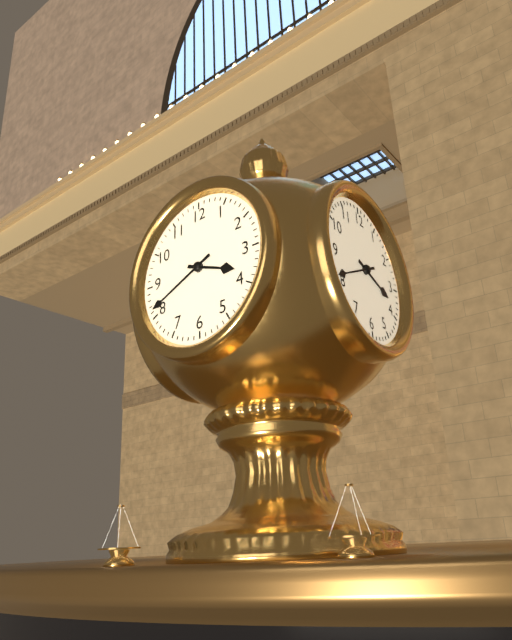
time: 3:41
